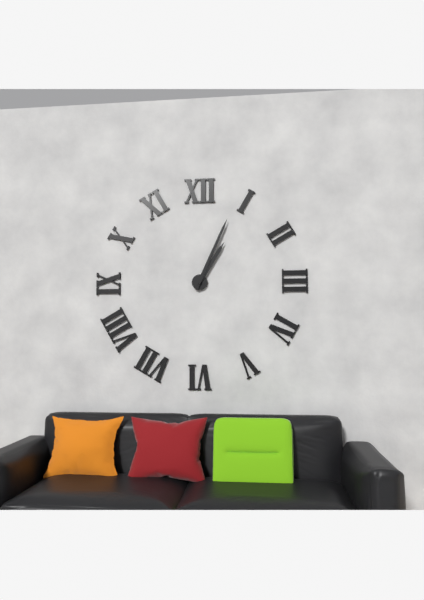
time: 1:04
